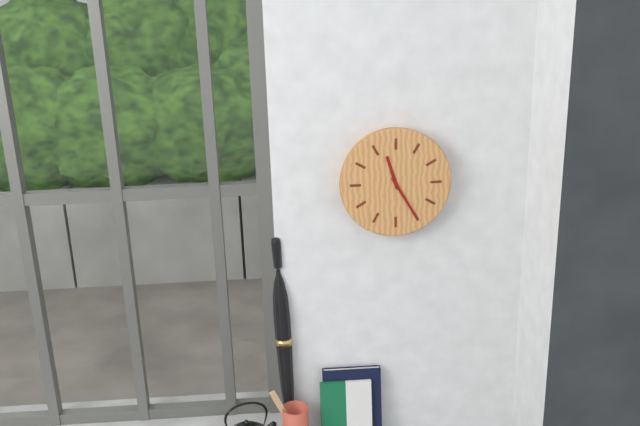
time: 11:25
